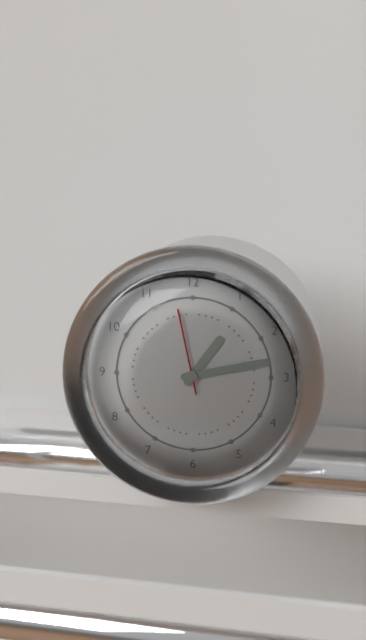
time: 1:13:58
